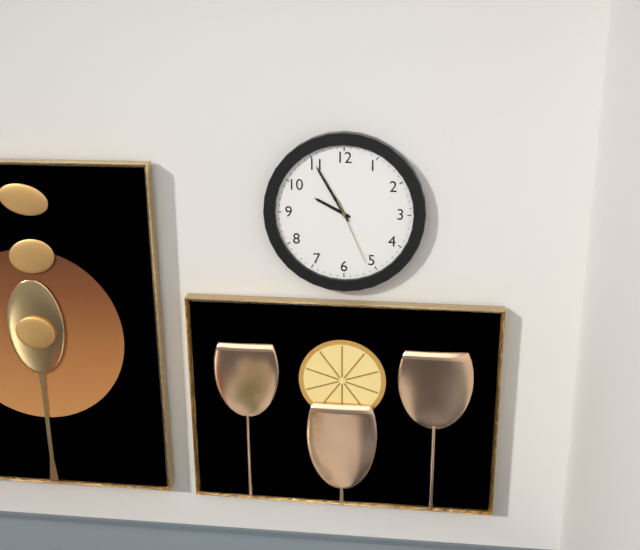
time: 9:55:26
